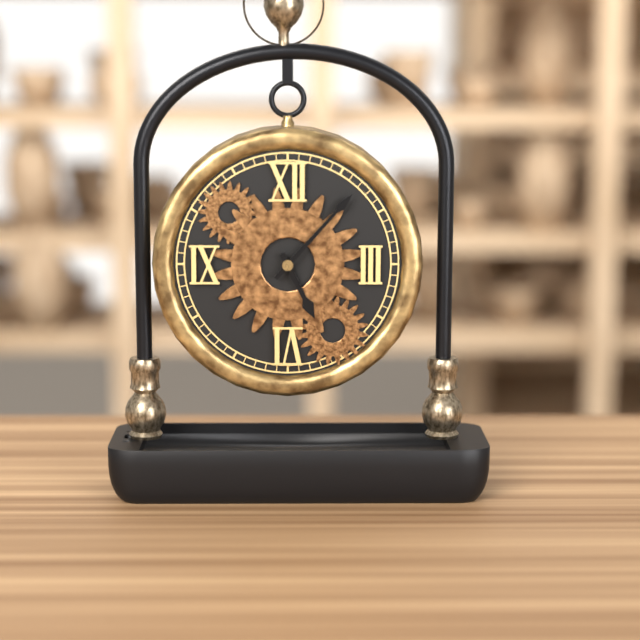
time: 5:07
